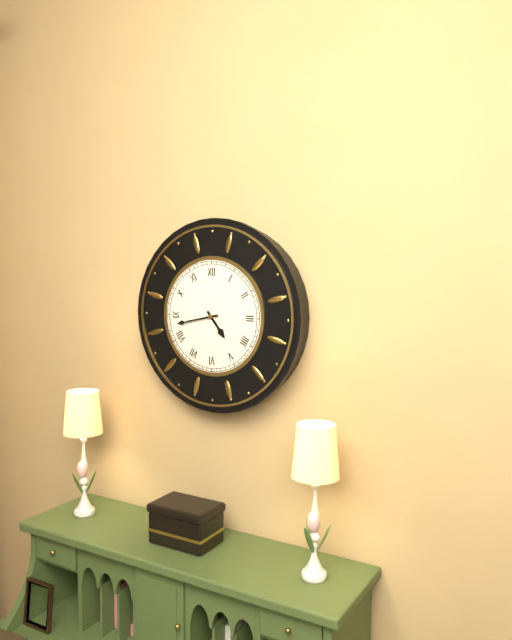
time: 4:43
